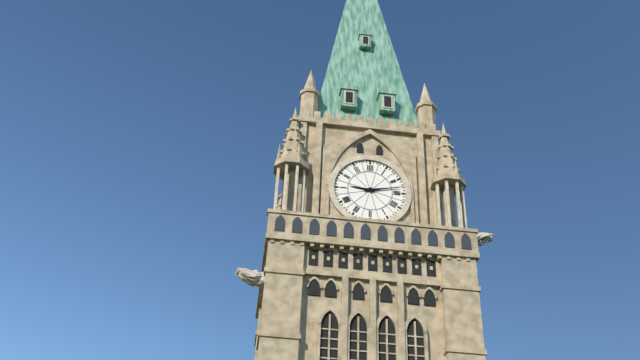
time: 9:13
